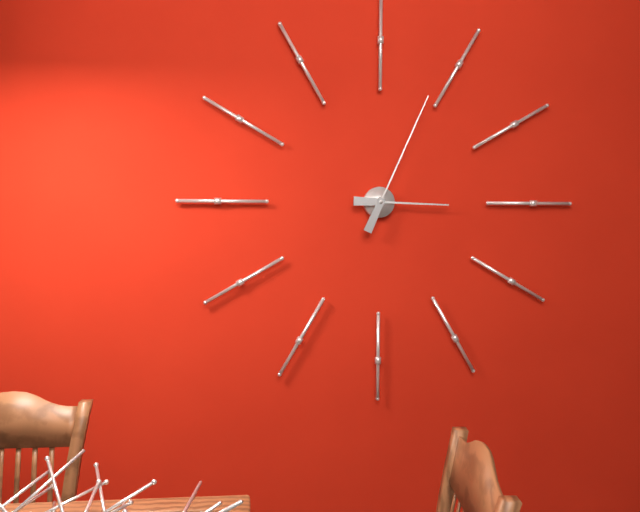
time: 3:04
